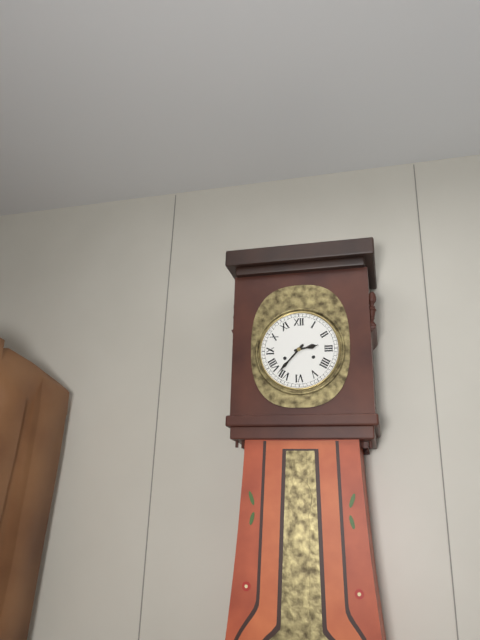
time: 2:37
